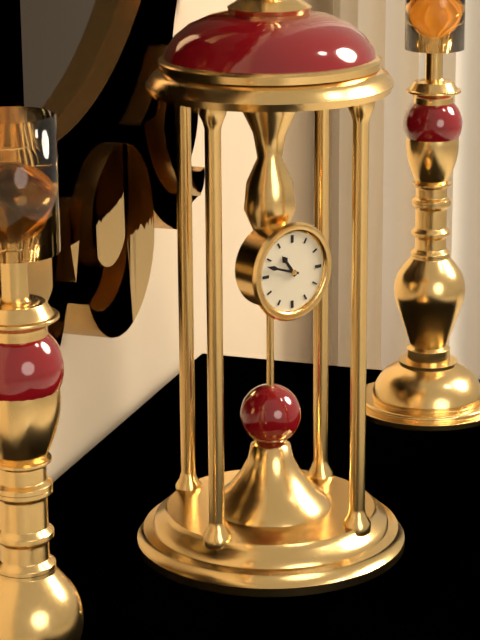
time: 10:48
